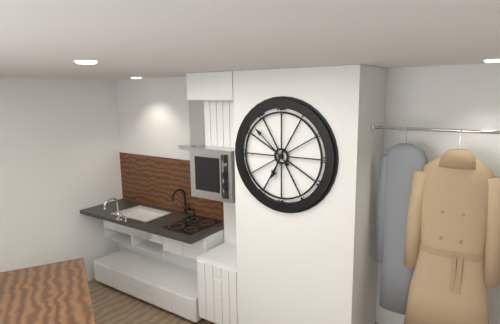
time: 6:52
